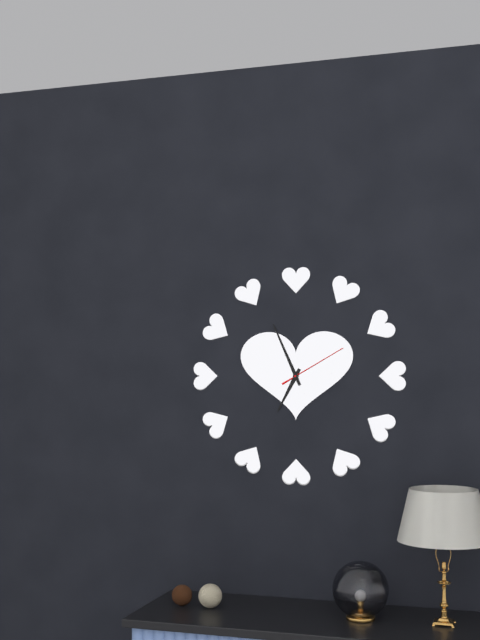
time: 6:56:10
